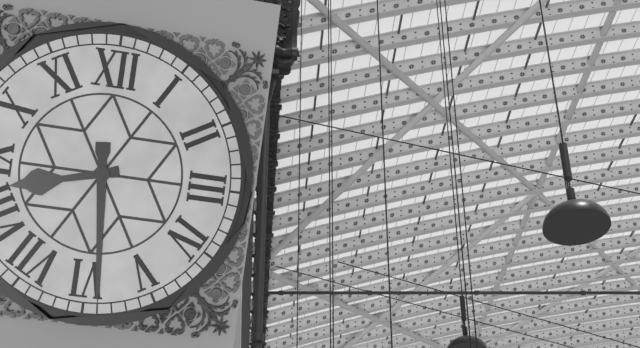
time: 8:29
